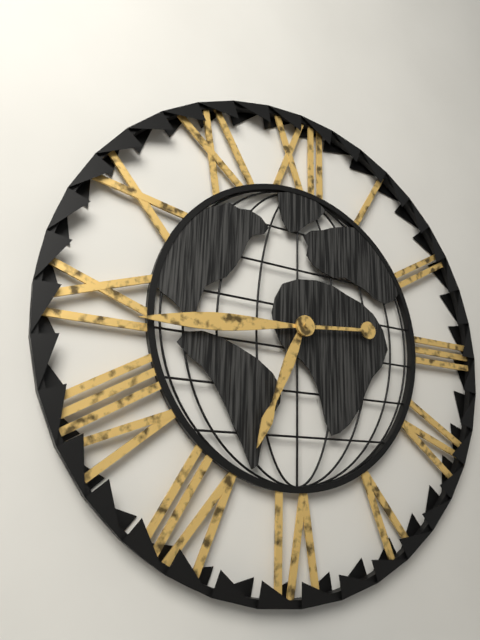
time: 6:44
